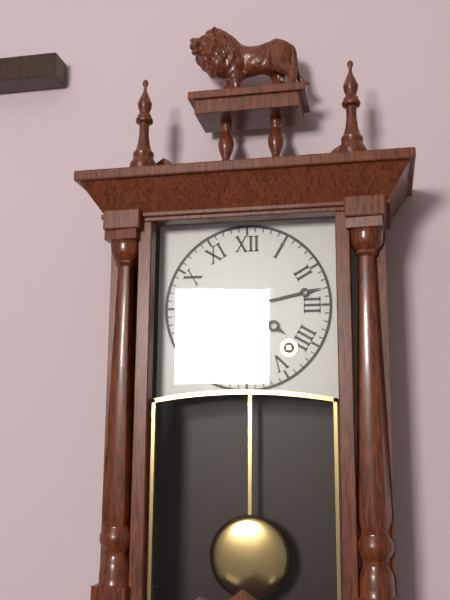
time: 4:13
